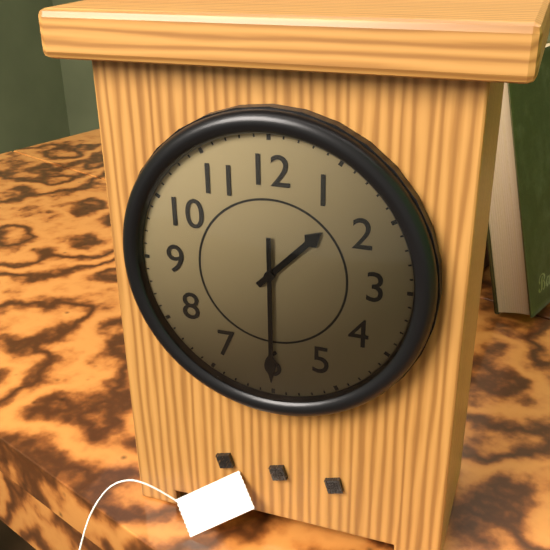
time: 1:30
